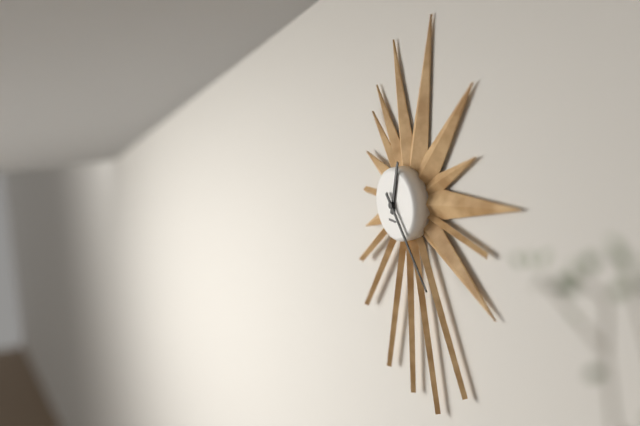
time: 12:23
